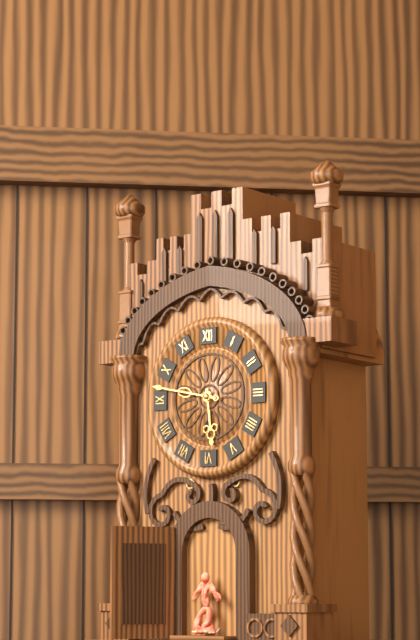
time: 5:47
